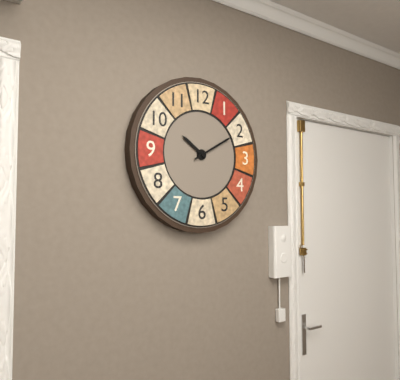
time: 10:10
